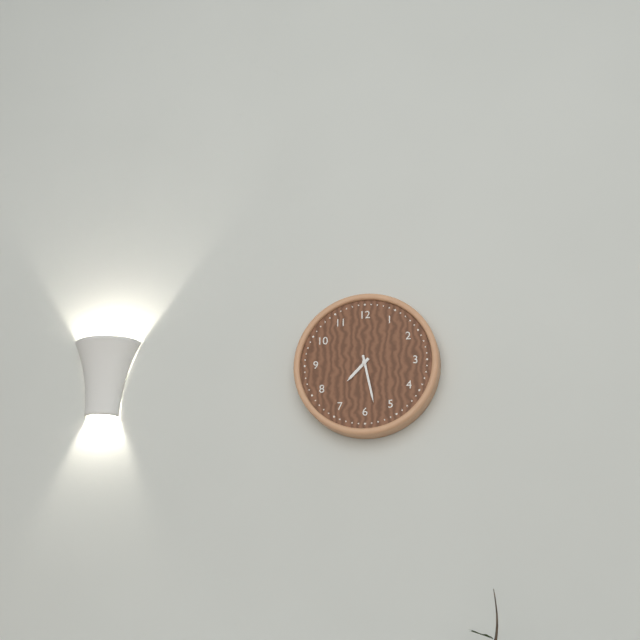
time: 7:28
